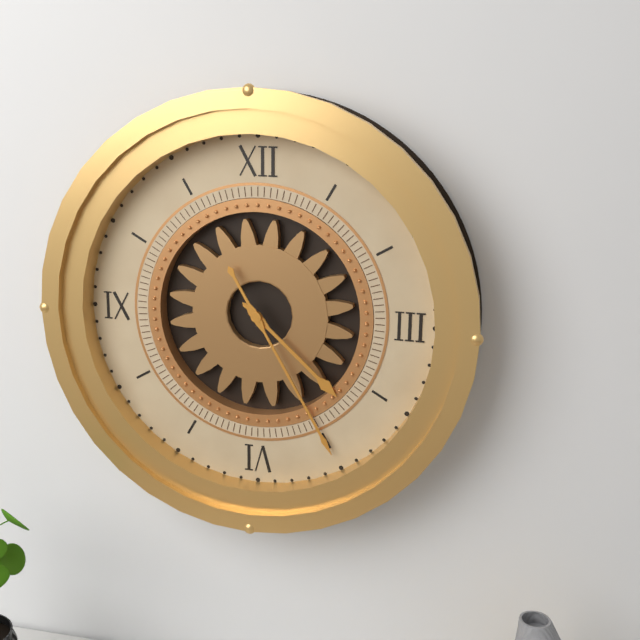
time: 4:25
